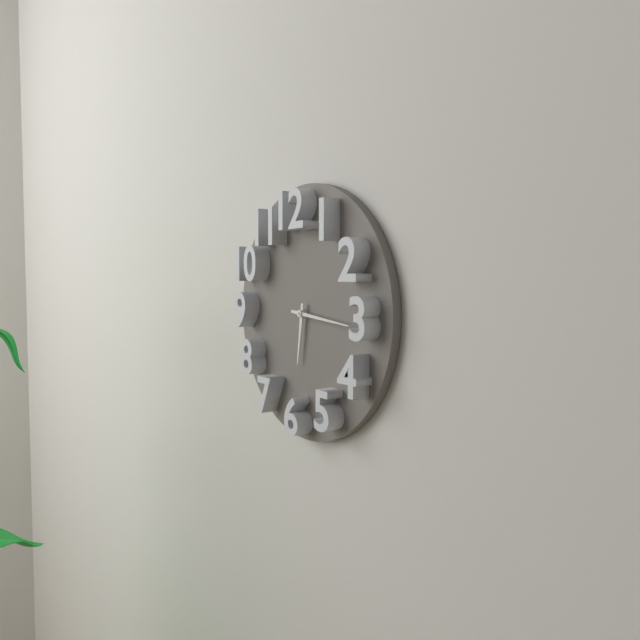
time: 6:16
